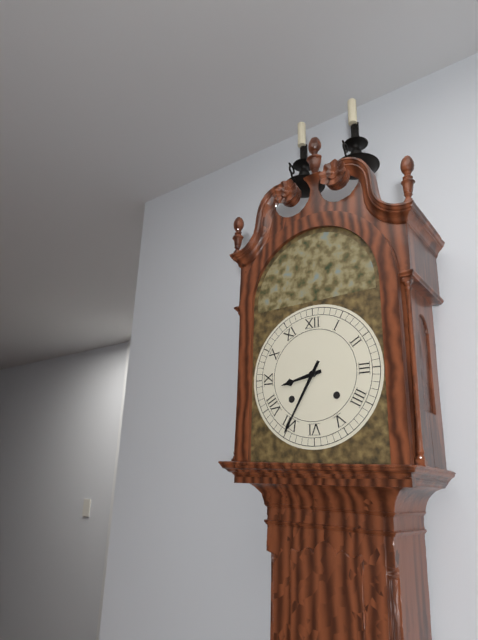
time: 8:35
